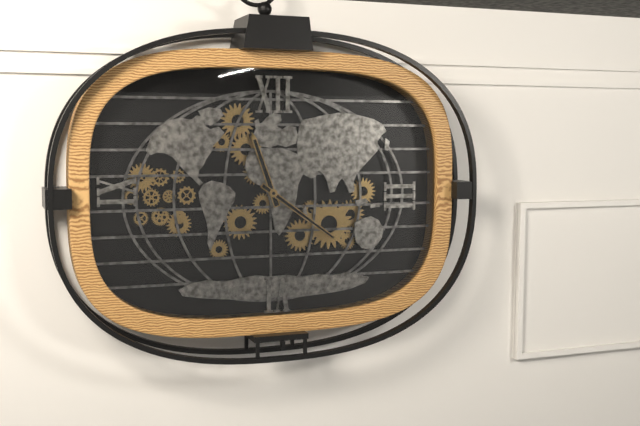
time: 11:21
